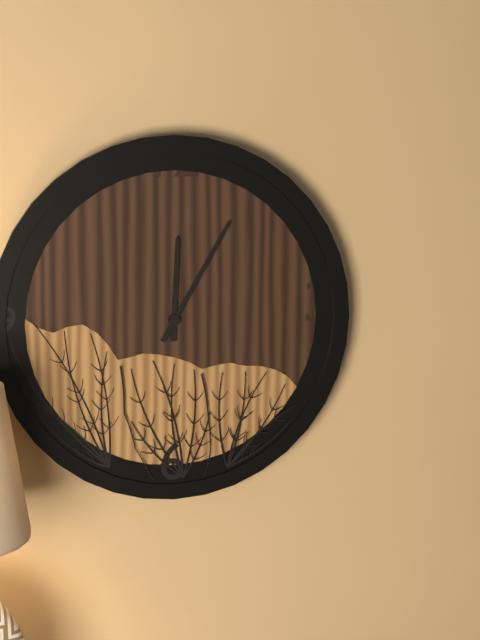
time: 12:05
